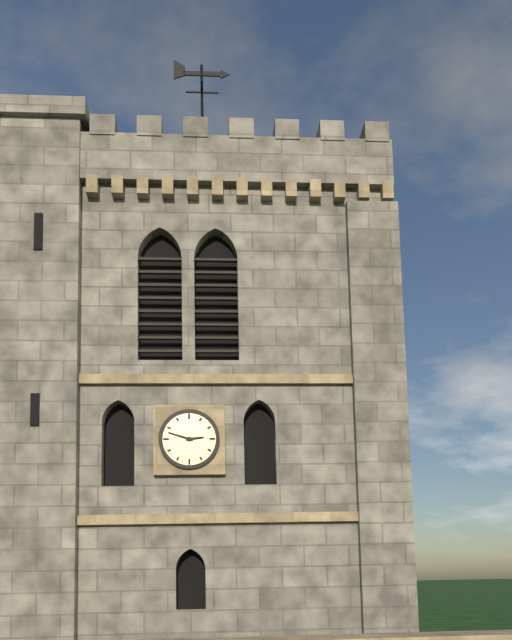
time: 2:48
